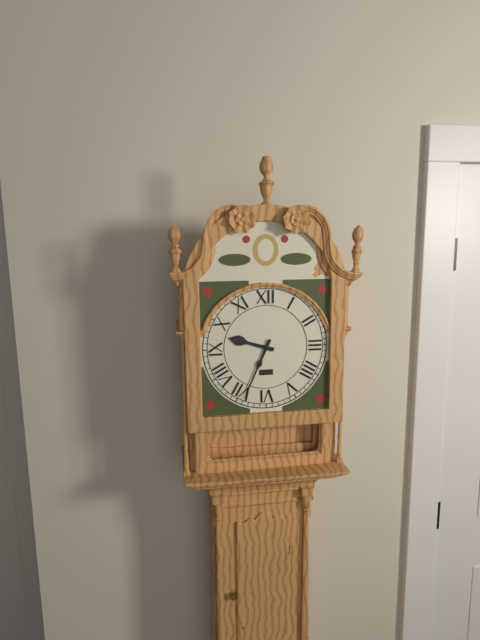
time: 9:34
